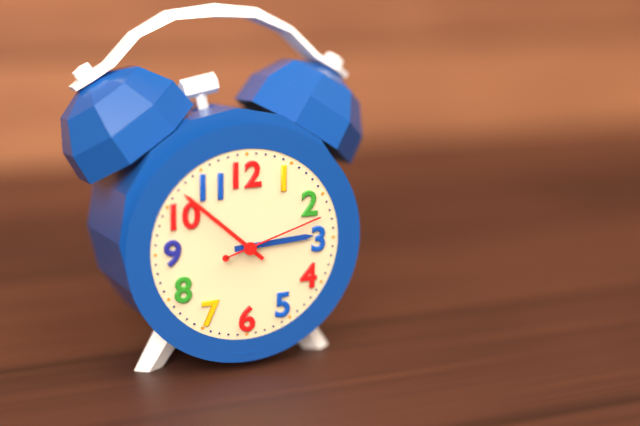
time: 2:52:12
